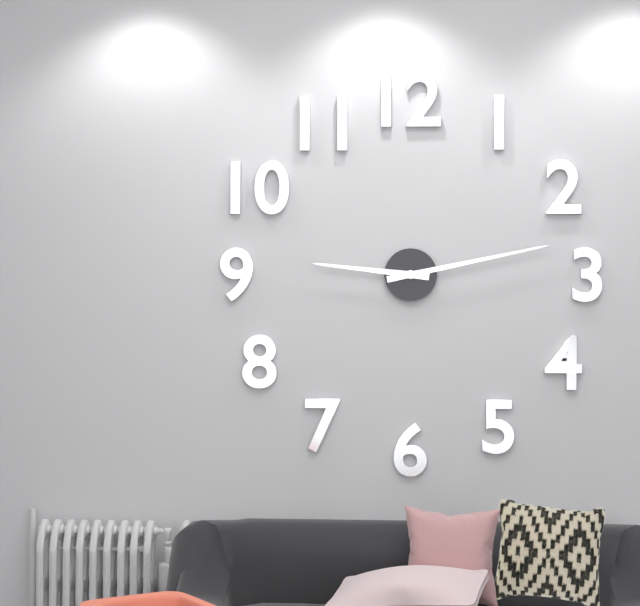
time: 9:13
